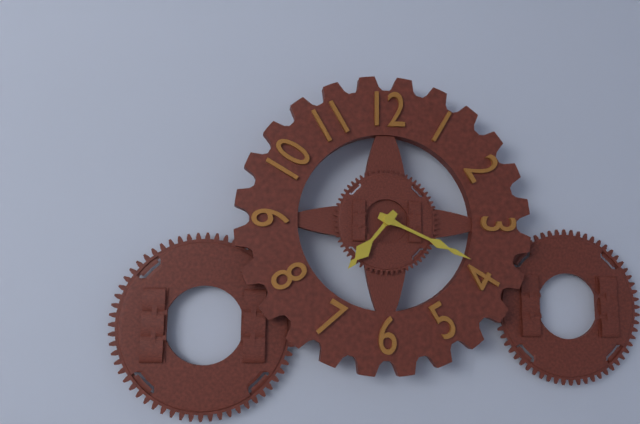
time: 7:19
